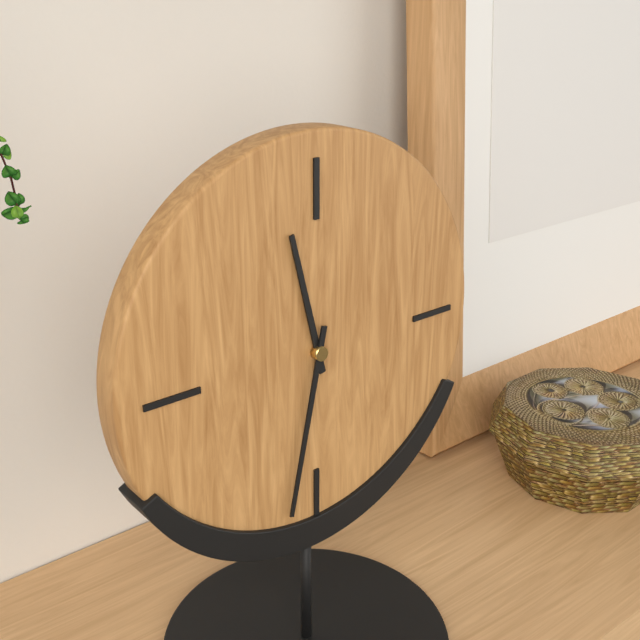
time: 11:32
